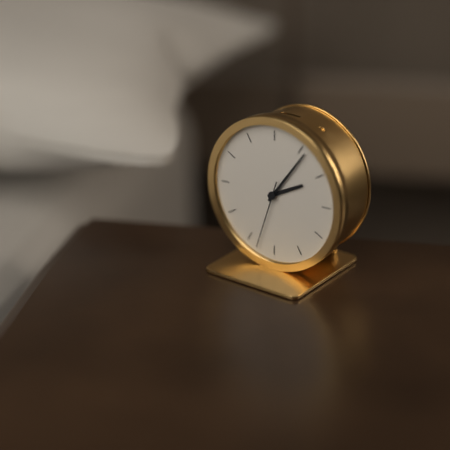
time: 2:06:33
